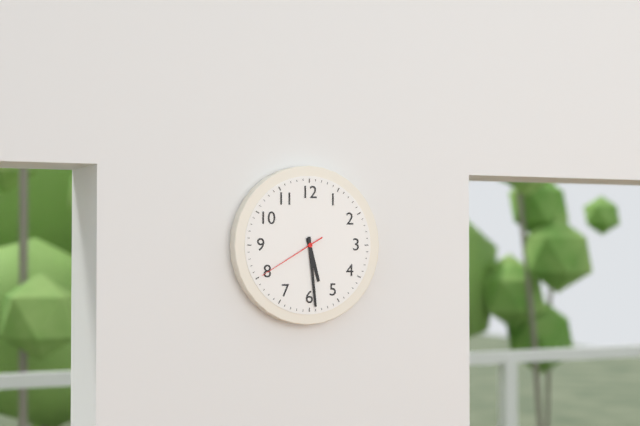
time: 5:29:40
